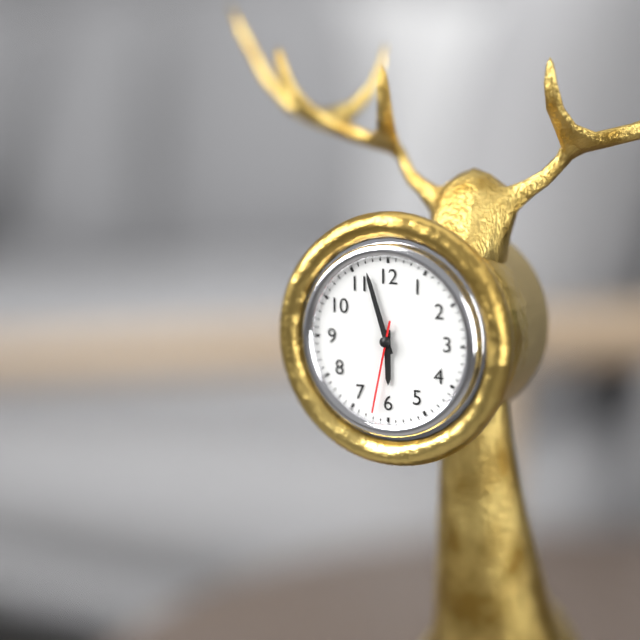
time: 5:57:32
